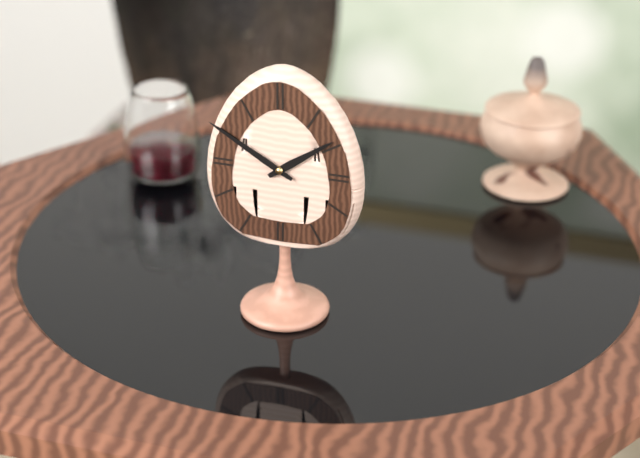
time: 1:50
